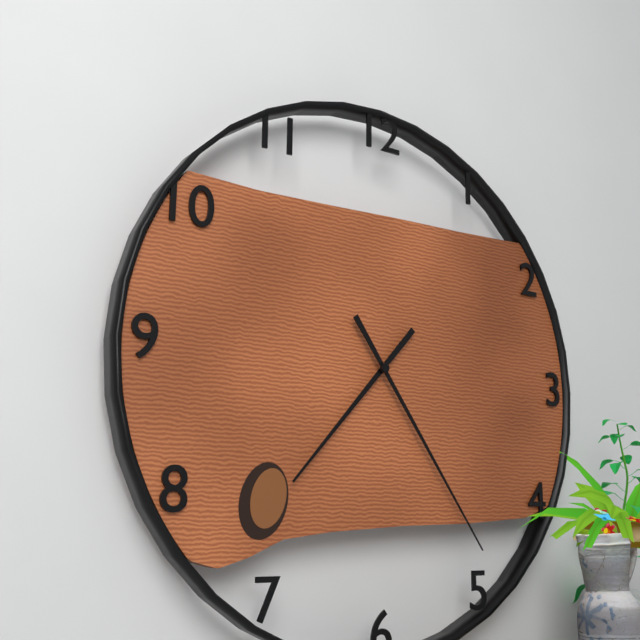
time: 7:24
